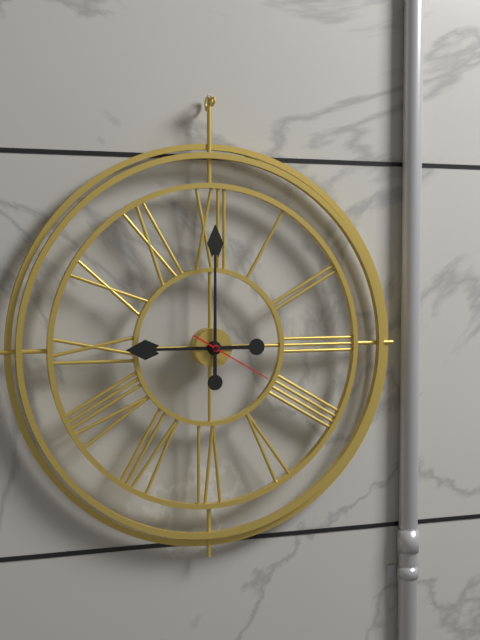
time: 9:00:20
